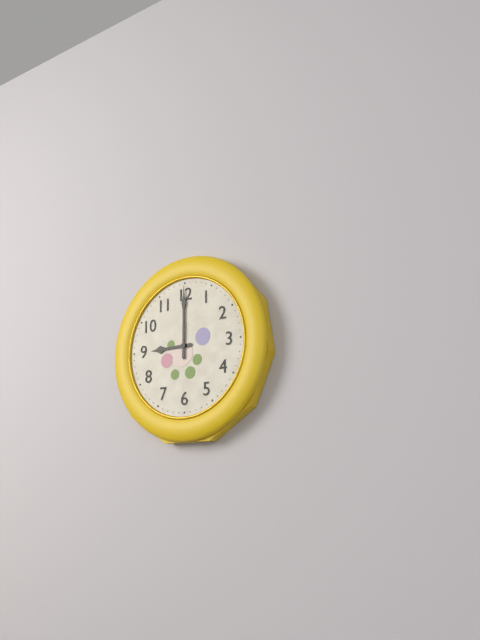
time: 9:00
